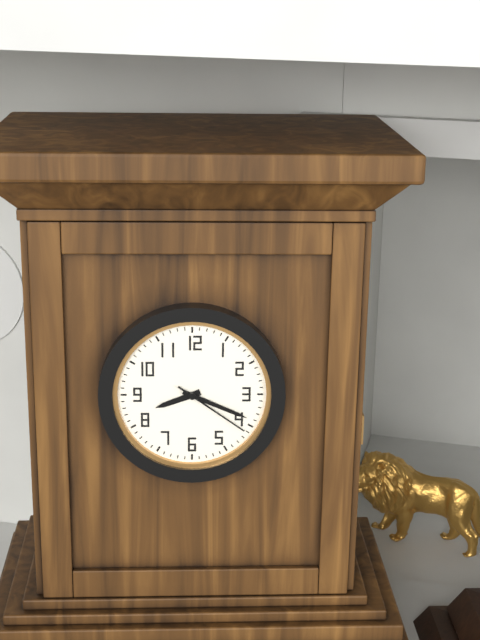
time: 8:19:21
